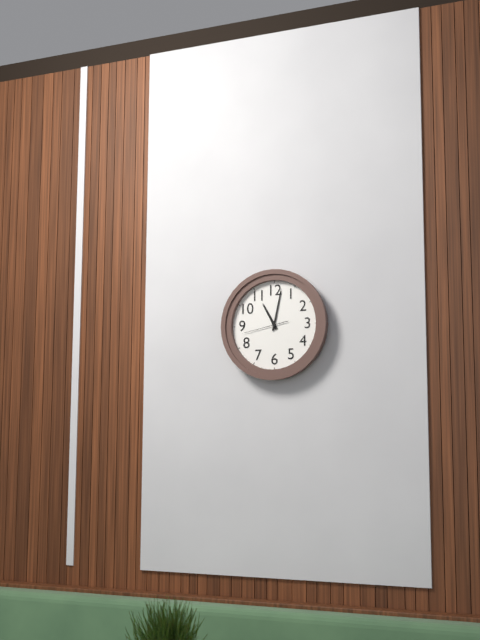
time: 11:02
